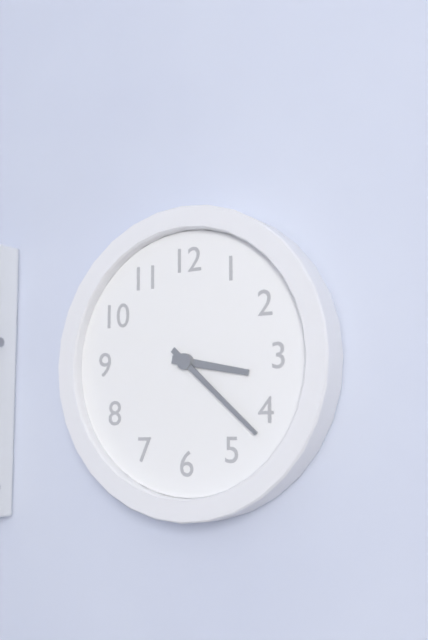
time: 3:22
